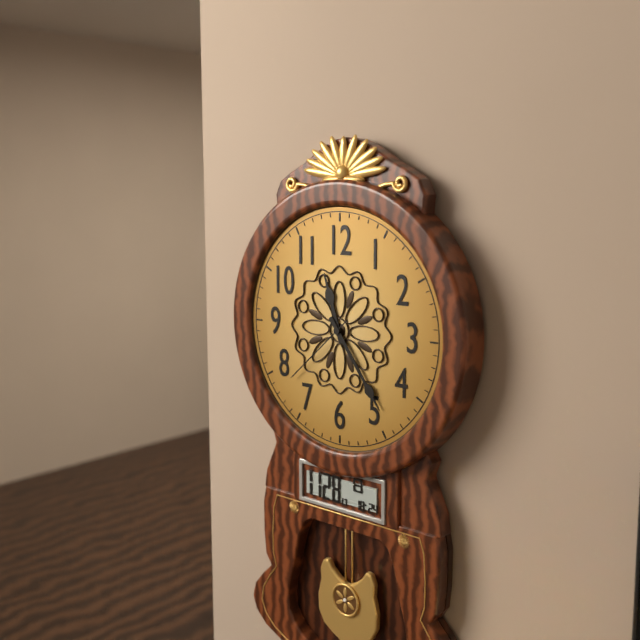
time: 11:24:38
